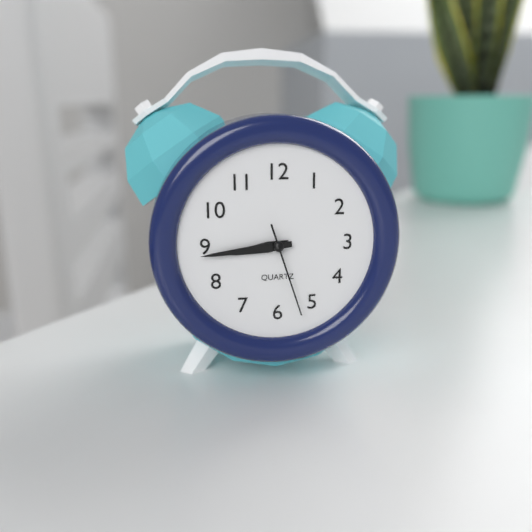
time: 8:44:27
